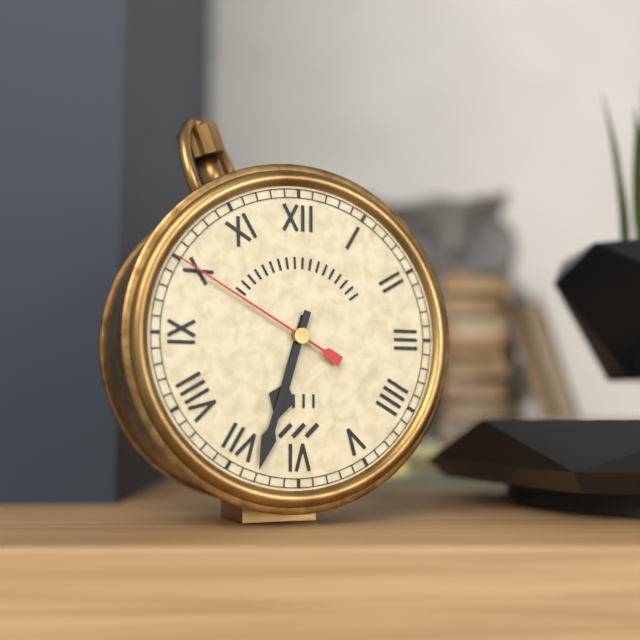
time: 6:33:50
